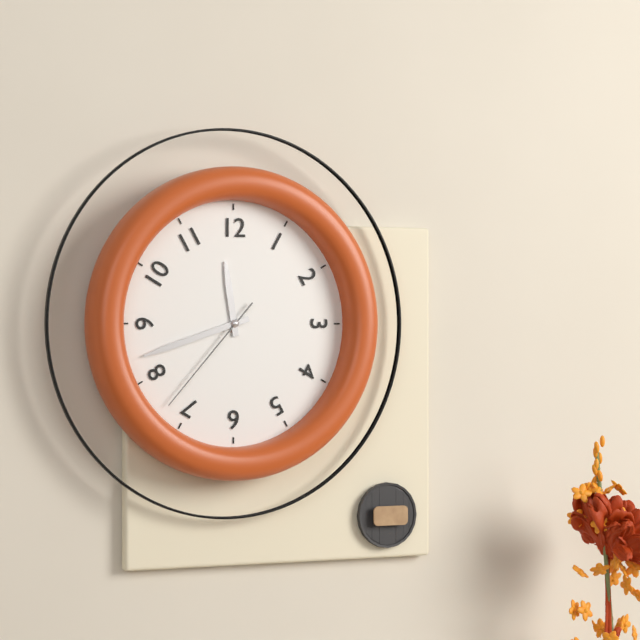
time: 11:42:37
